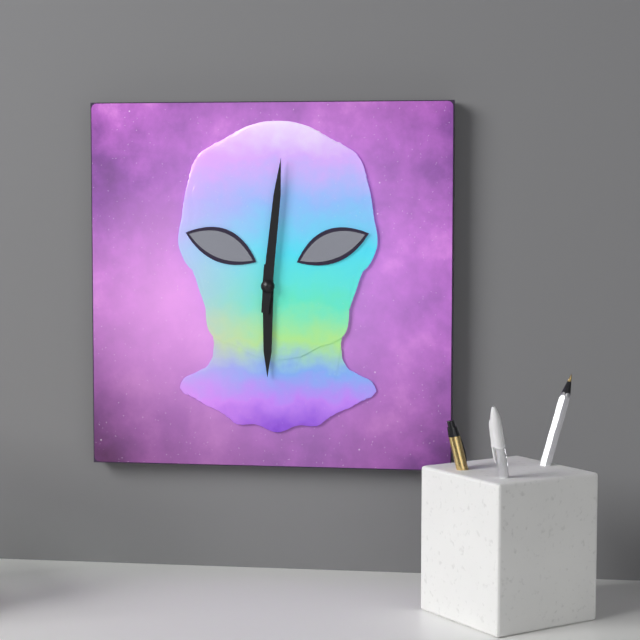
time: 6:01
